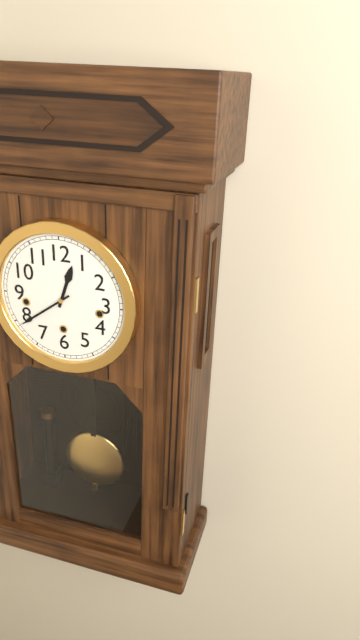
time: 12:39
